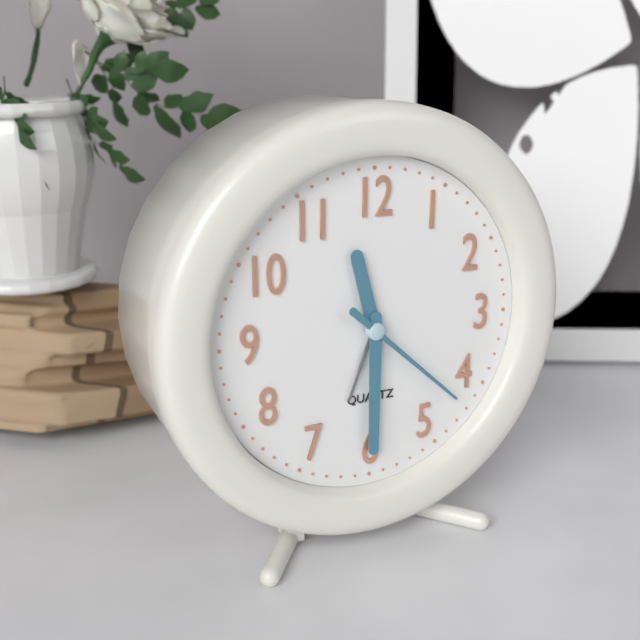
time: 11:30:22
